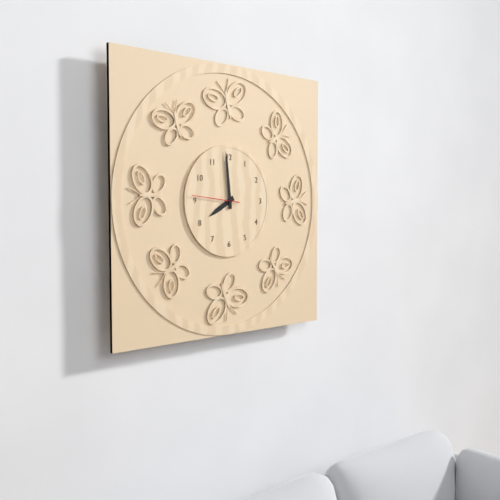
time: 7:59
